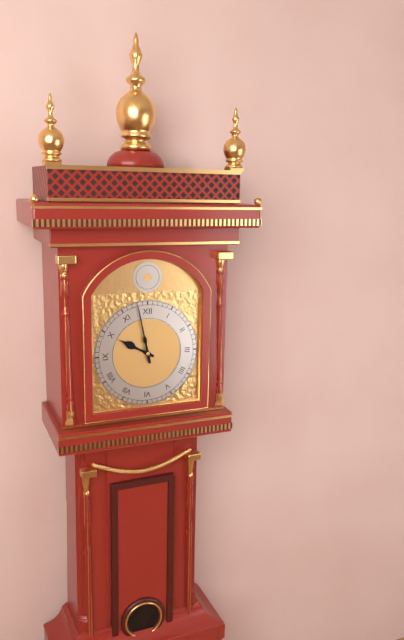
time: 9:58
